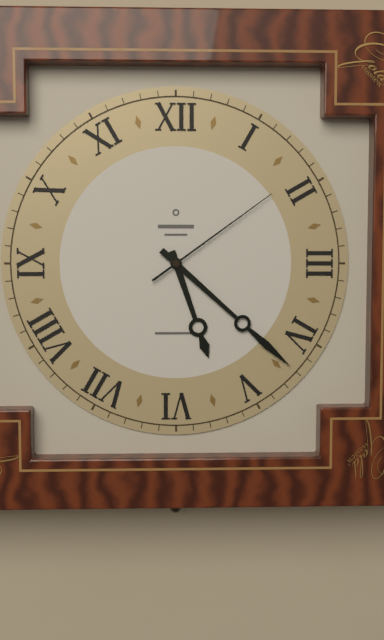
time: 5:22:09
